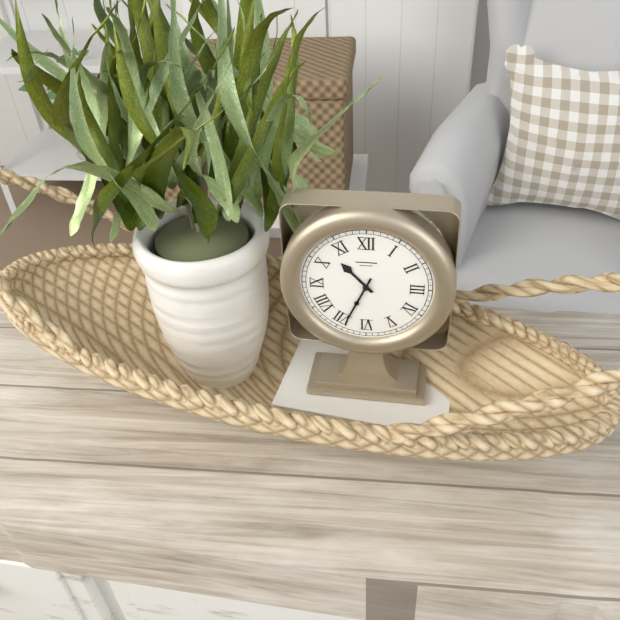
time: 10:34
